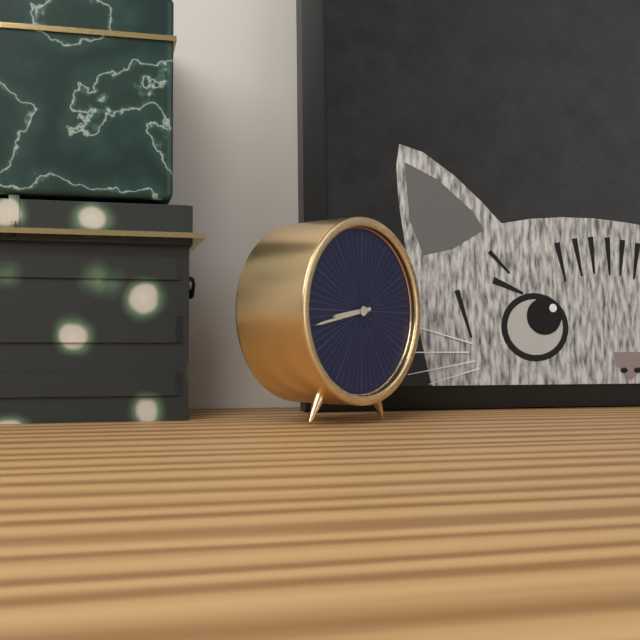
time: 8:43
